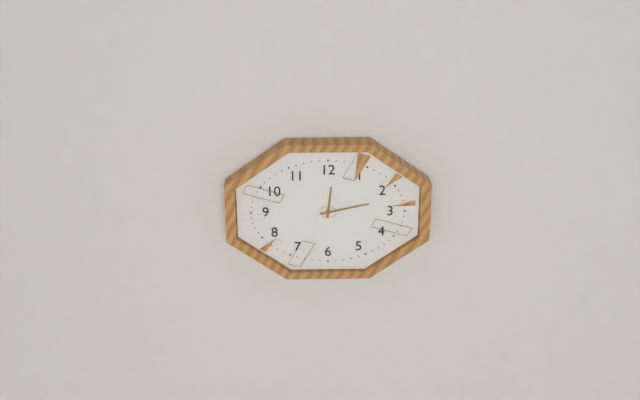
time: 12:13
